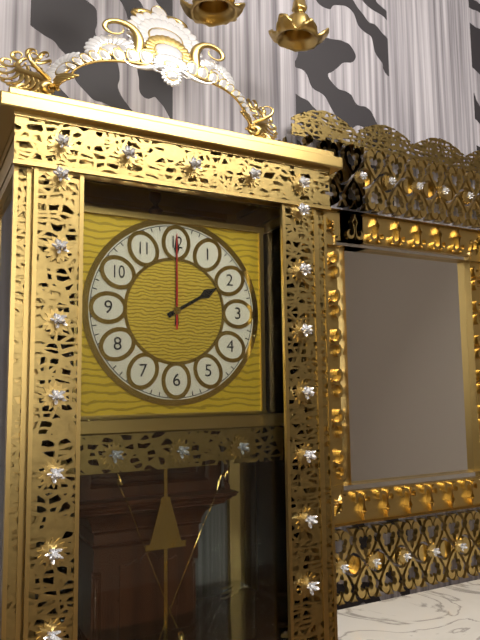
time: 2:00:00
